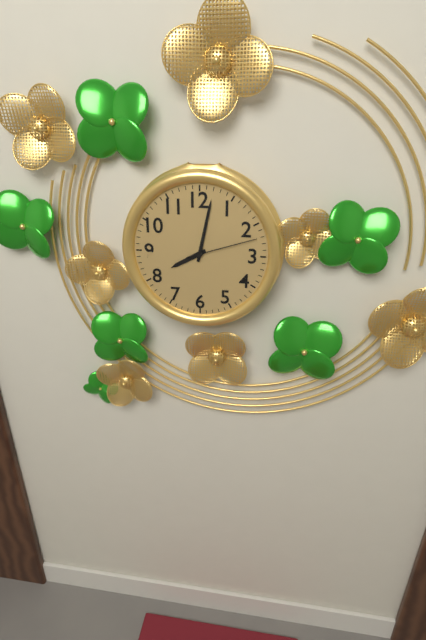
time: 8:02:12
